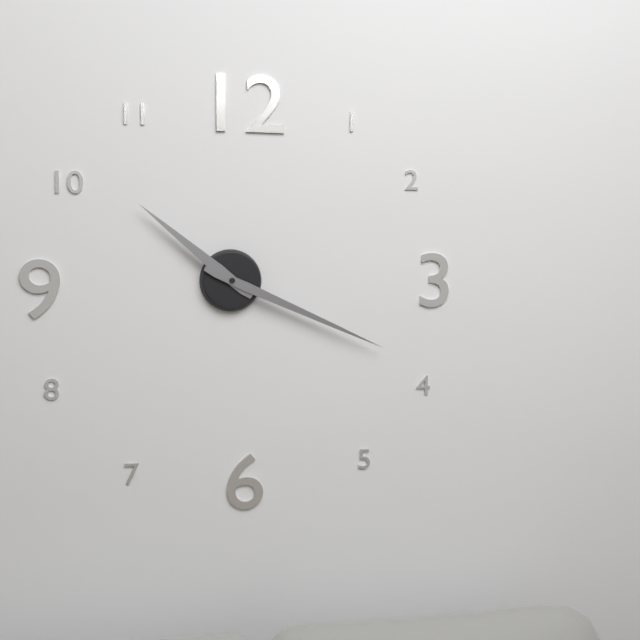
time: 10:19
